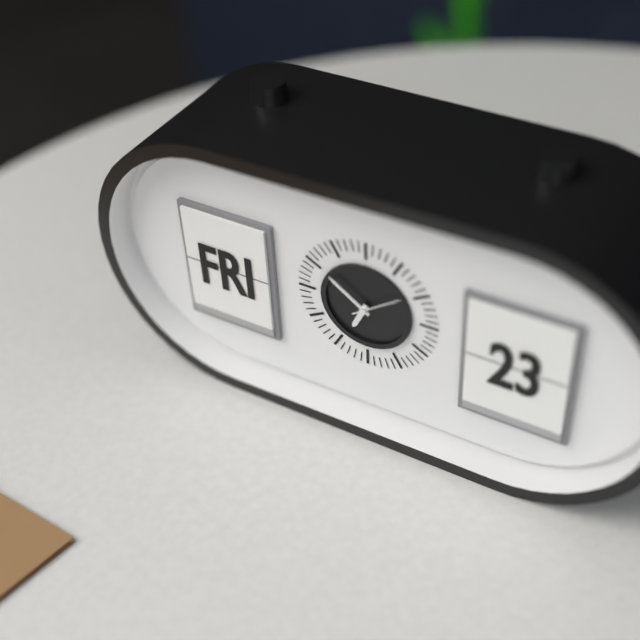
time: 6:51
